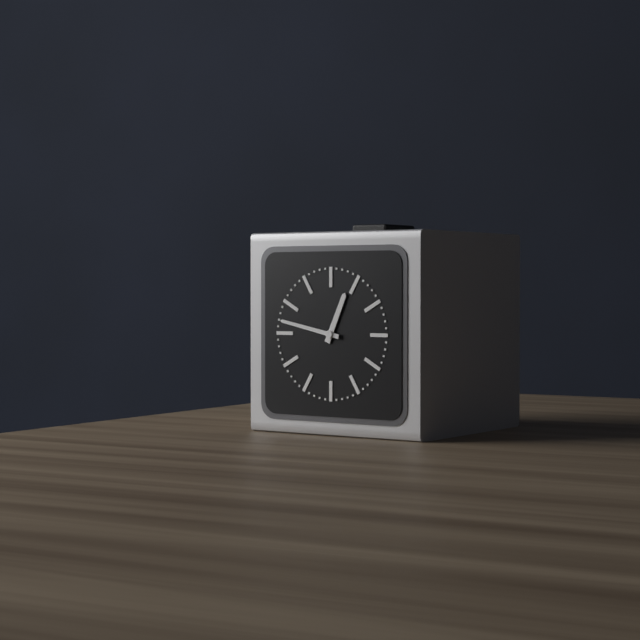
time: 12:47
